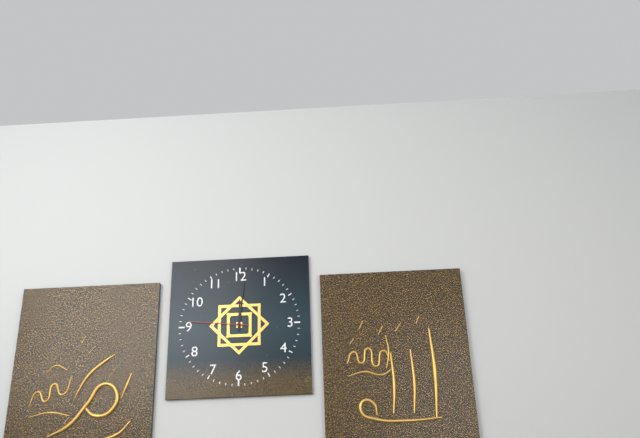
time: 12:01:46
